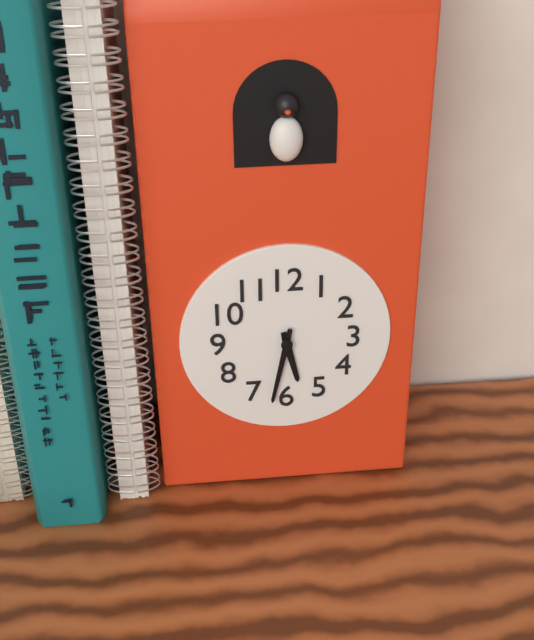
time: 5:32
